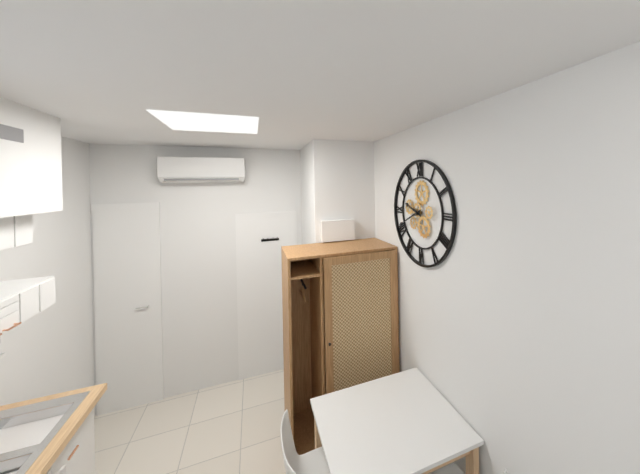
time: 9:41
